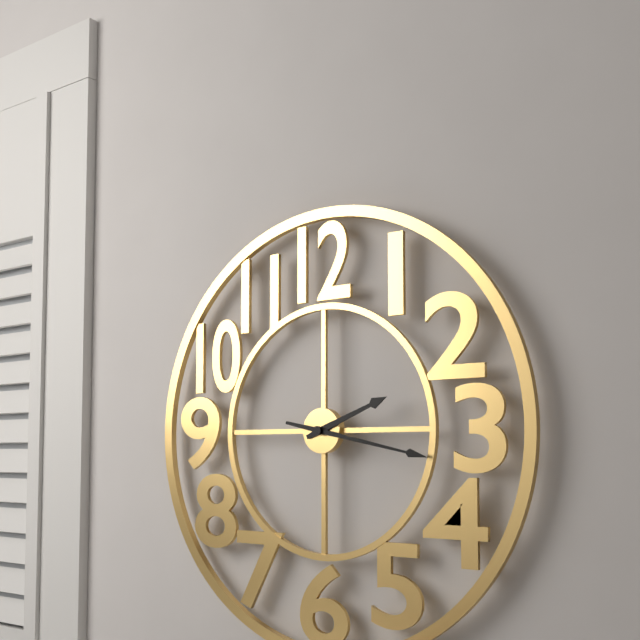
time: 2:17
